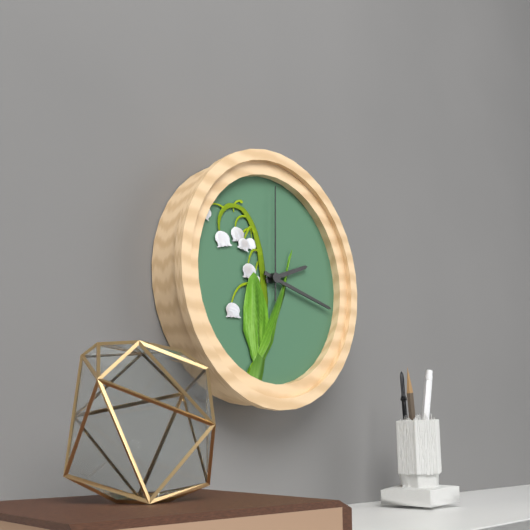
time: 2:17:00
